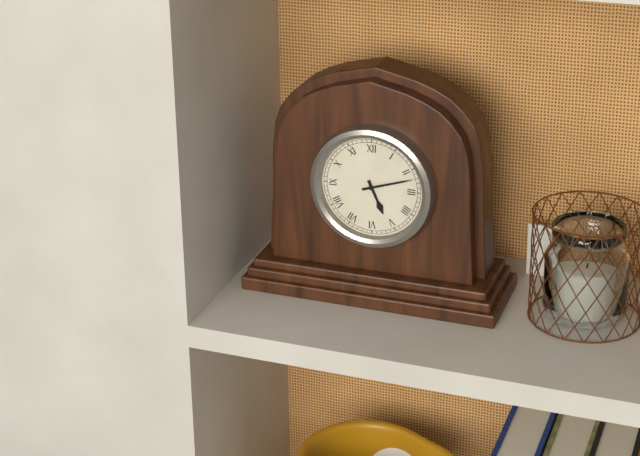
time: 5:12
